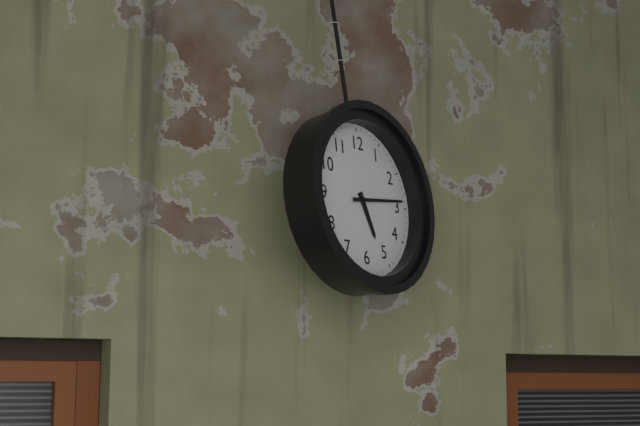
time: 5:14
